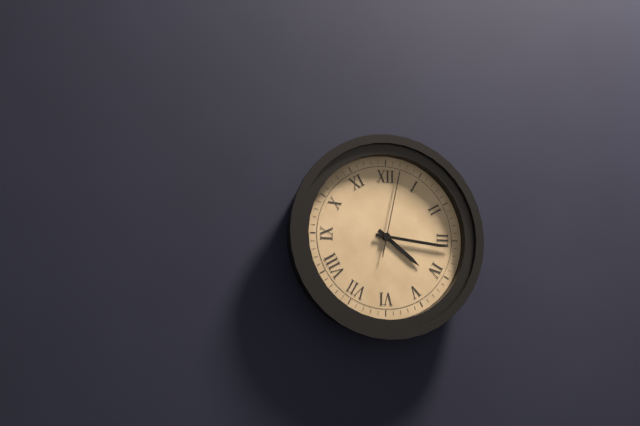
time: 4:16:02
